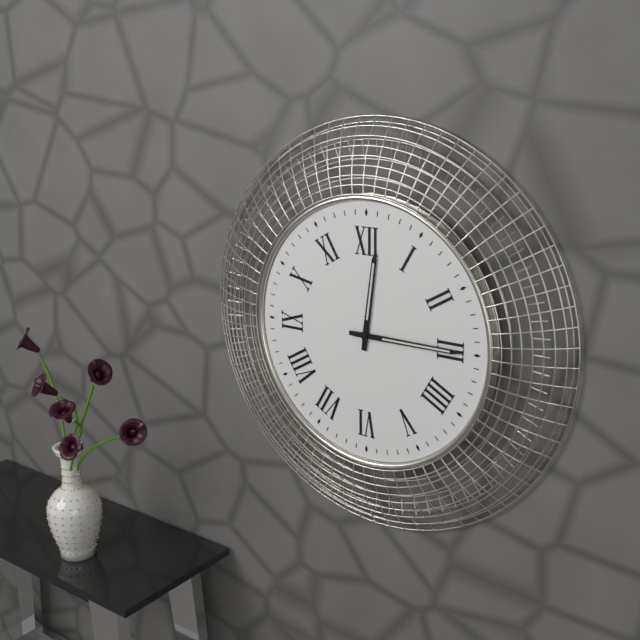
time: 12:15
